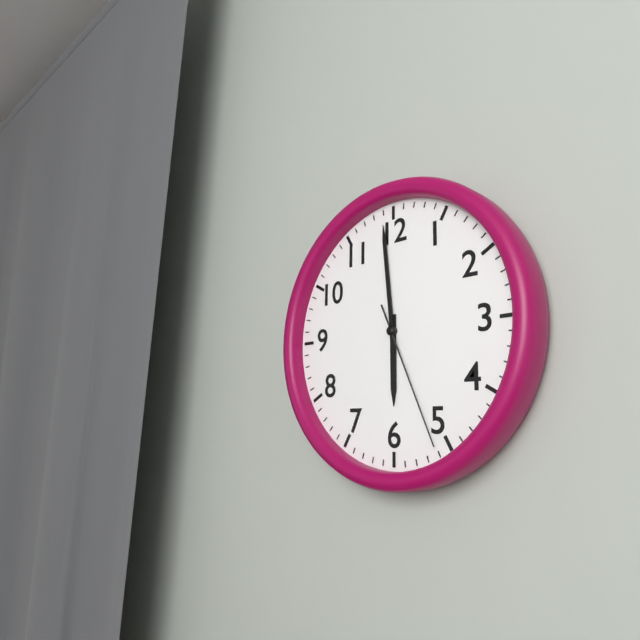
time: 5:59:26
